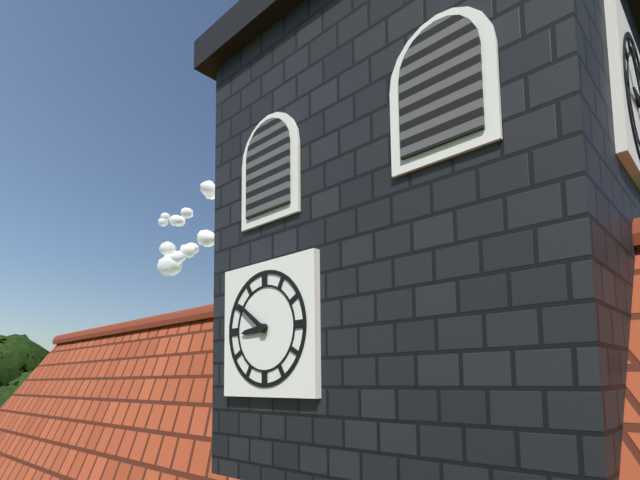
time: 8:51
